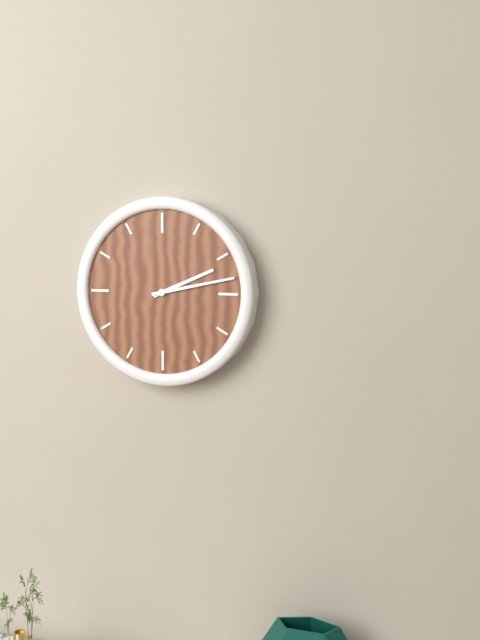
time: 2:13
